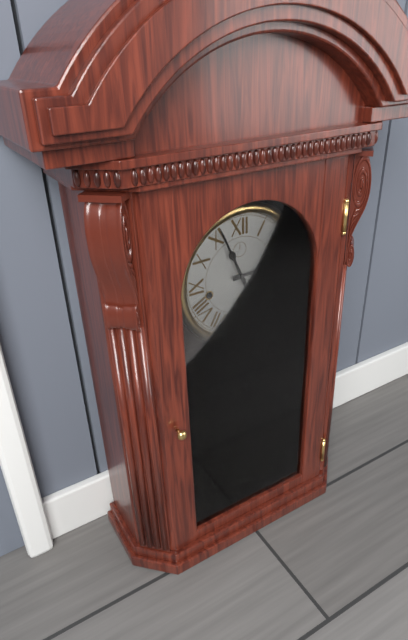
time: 2:56
